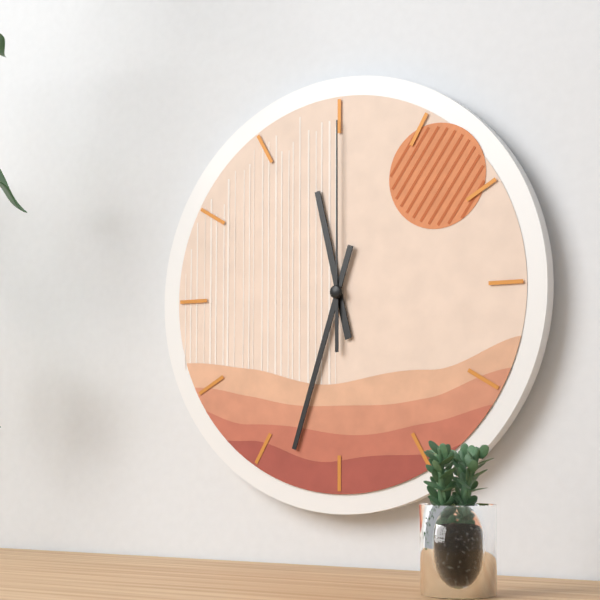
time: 11:33:00
